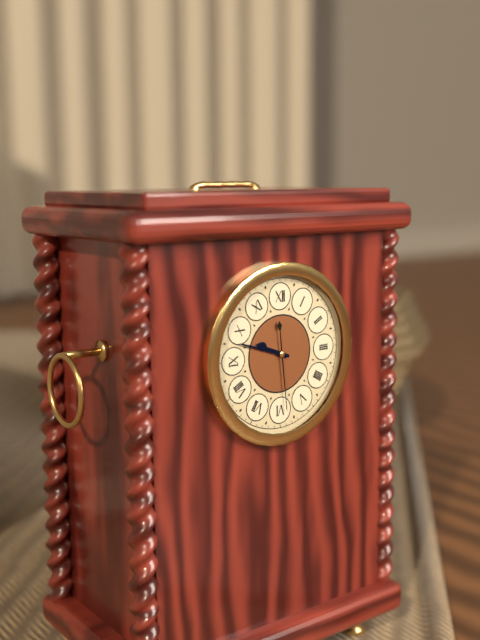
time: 9:48:29
